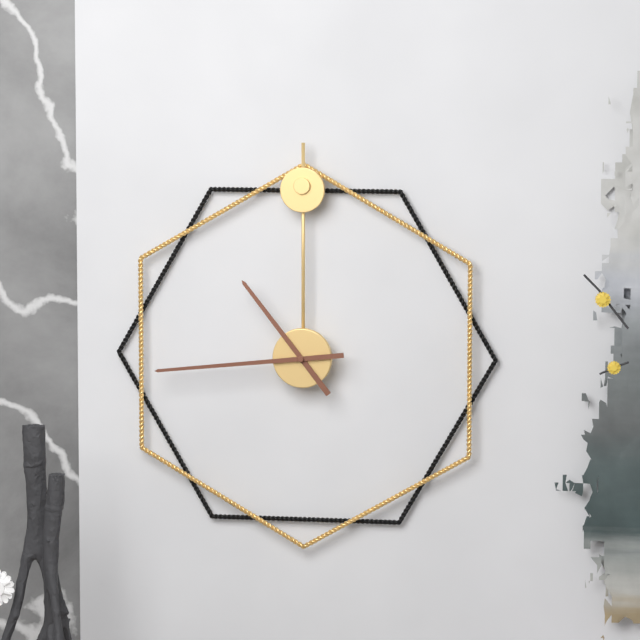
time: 10:44
